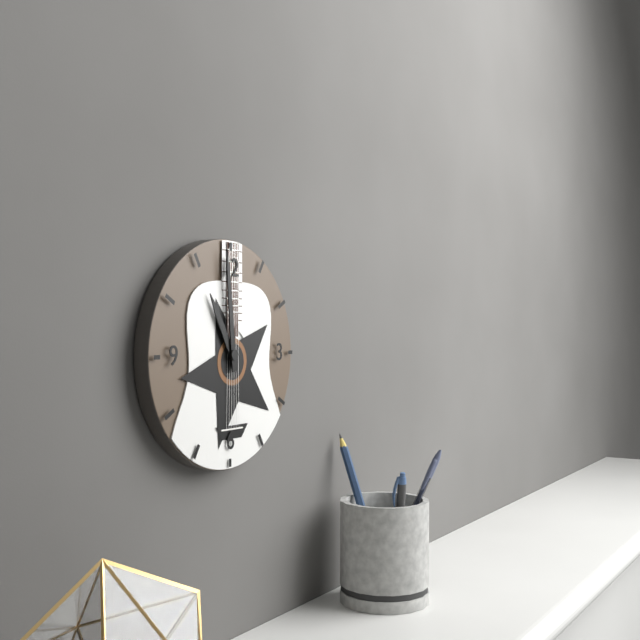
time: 10:59
